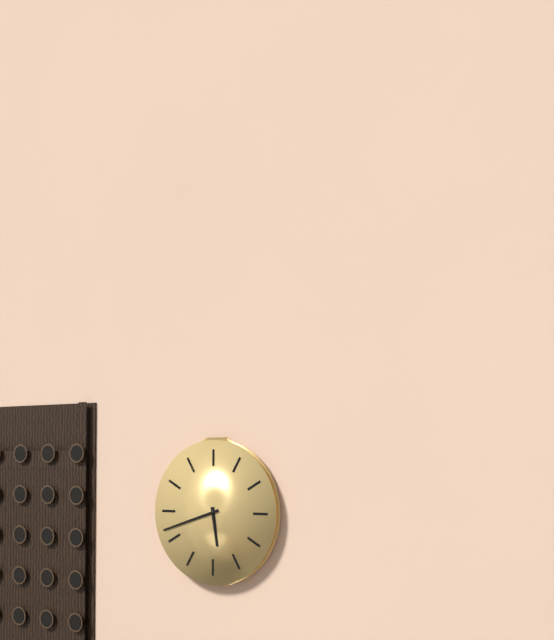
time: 5:42
